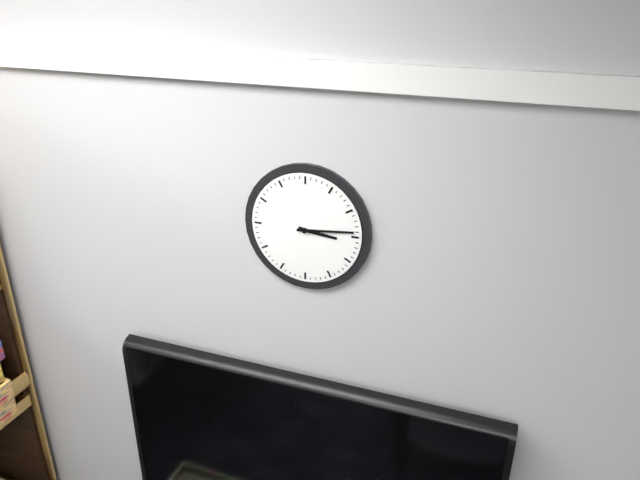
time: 3:14
